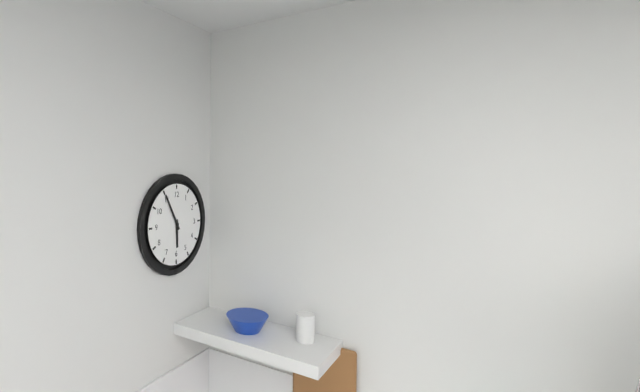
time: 5:55
